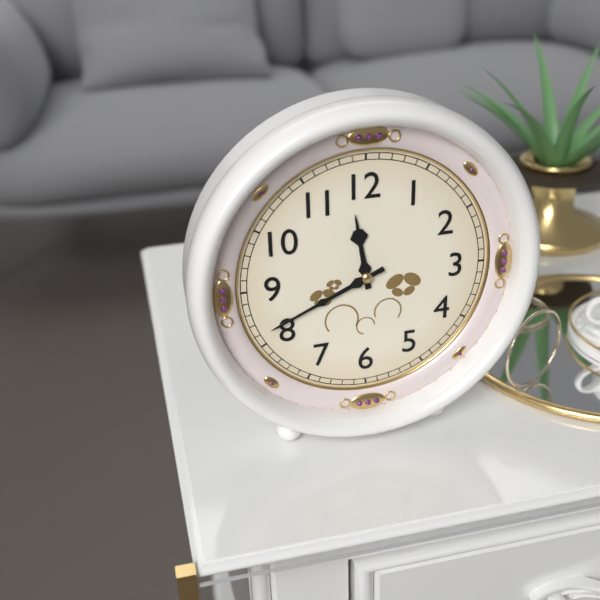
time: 11:41
